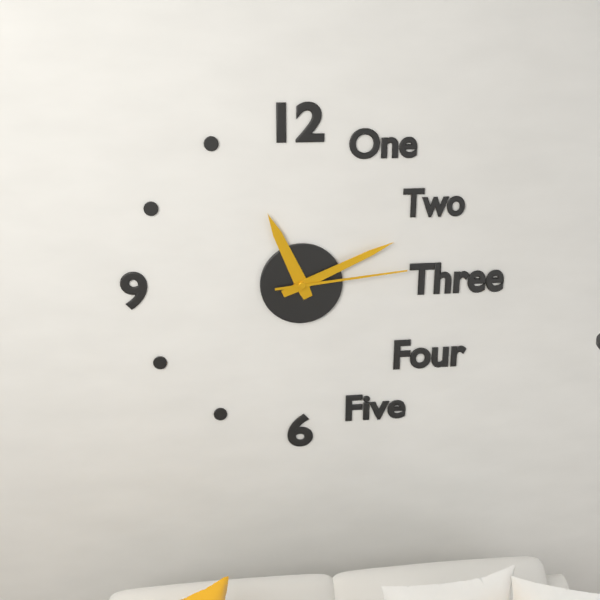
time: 11:11:14
